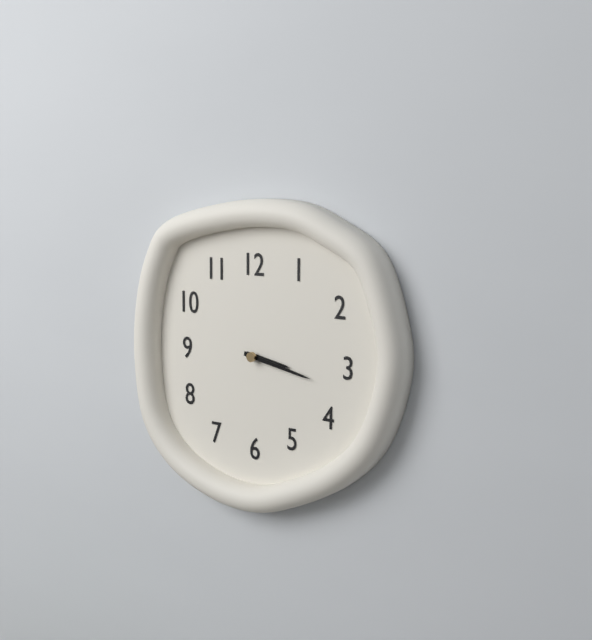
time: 3:17
